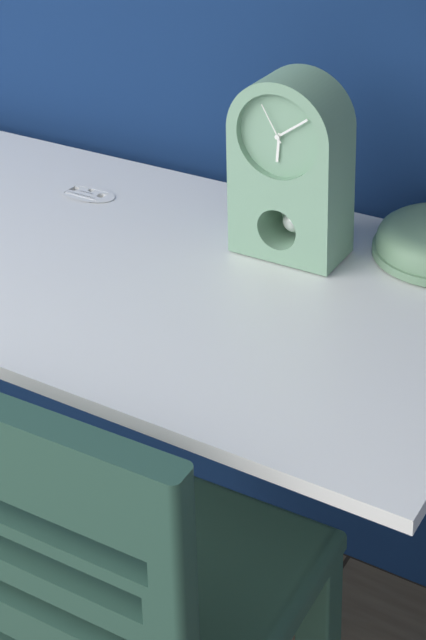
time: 6:09
